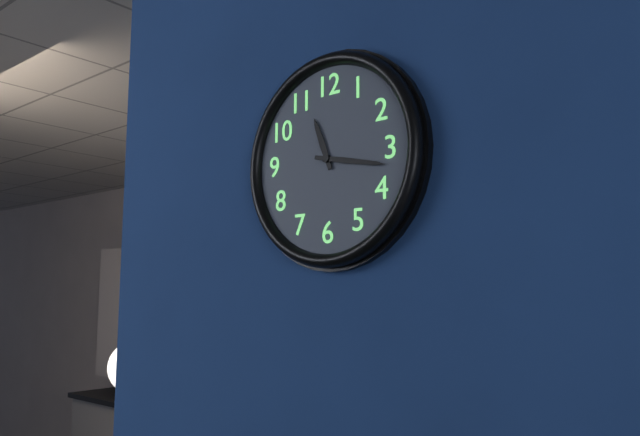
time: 11:17
